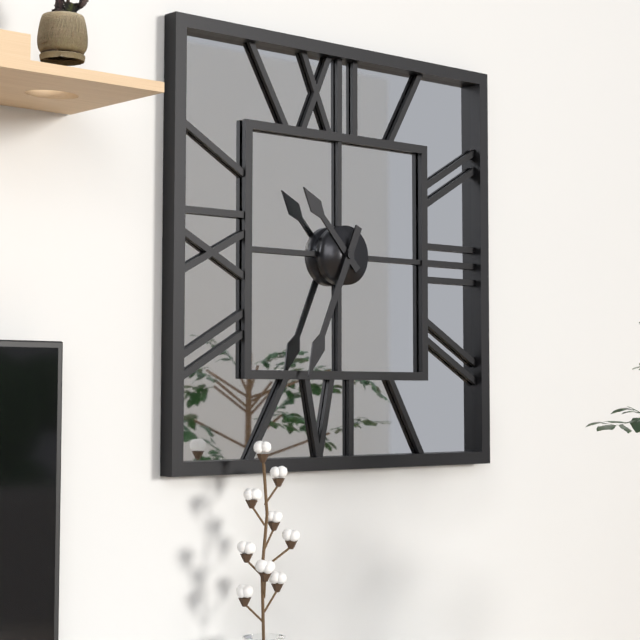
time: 10:34
